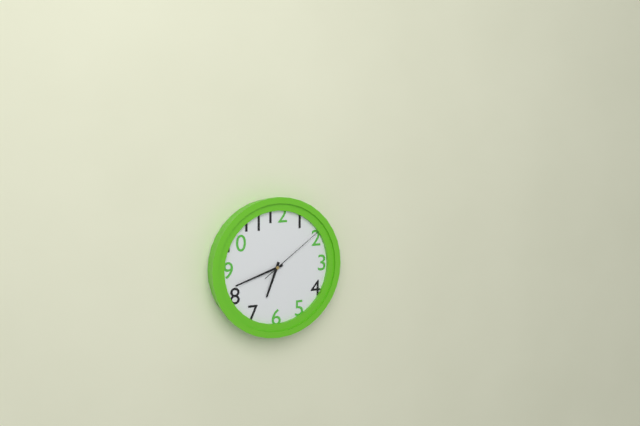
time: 6:42:09
